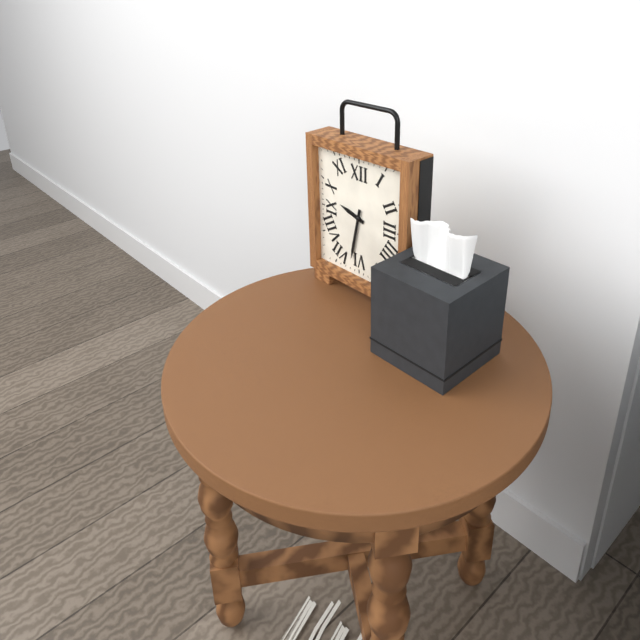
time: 9:32
